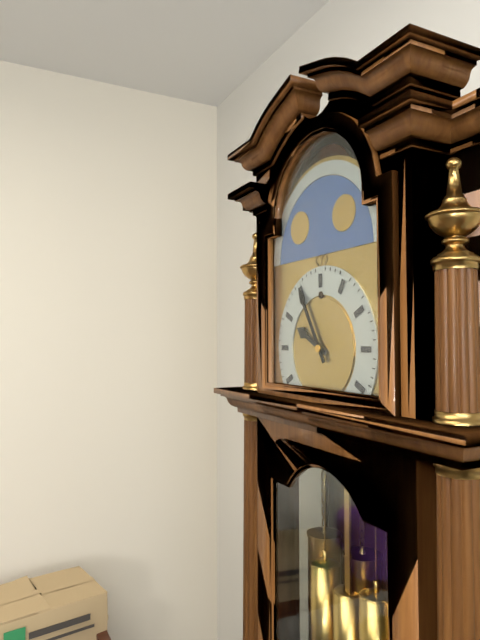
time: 9:55
